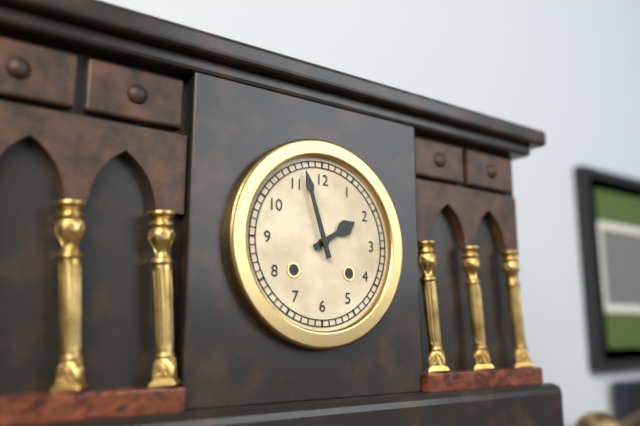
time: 1:57
